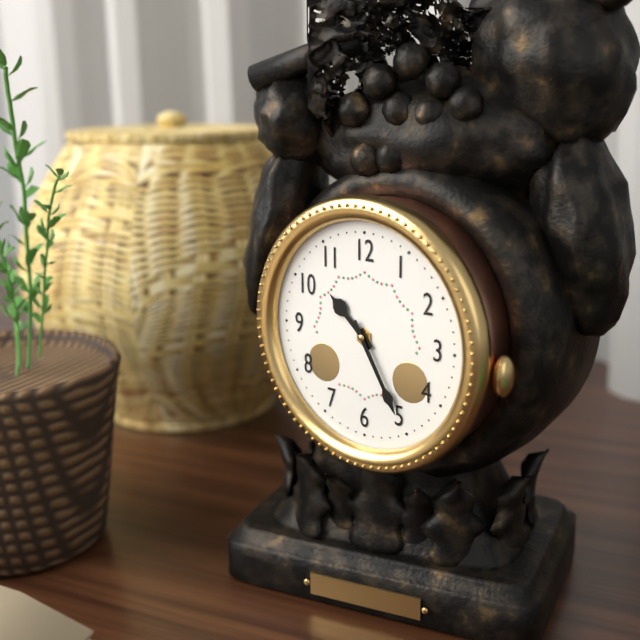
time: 10:25
